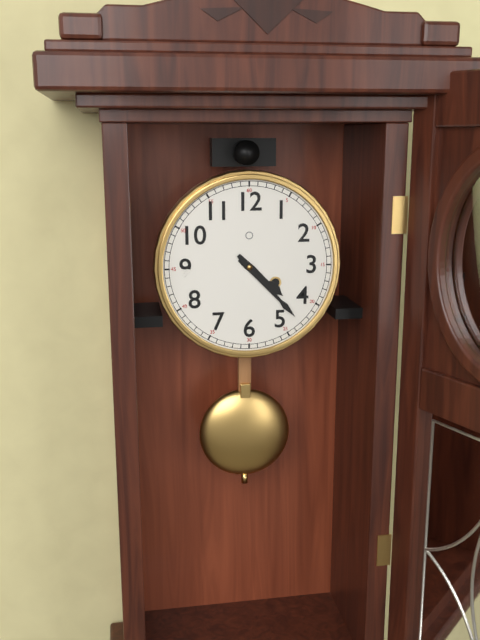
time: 4:23
